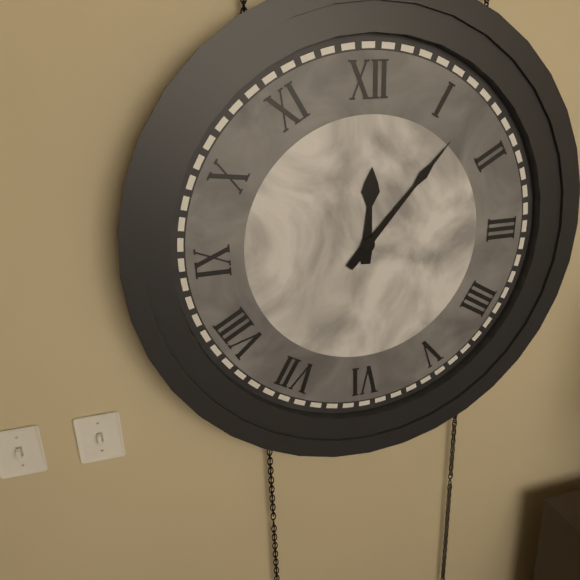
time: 12:07
